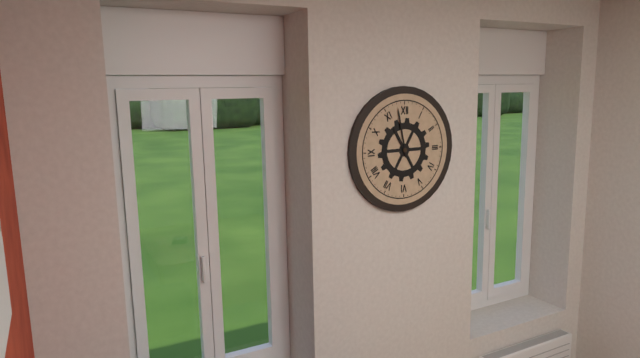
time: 10:58
